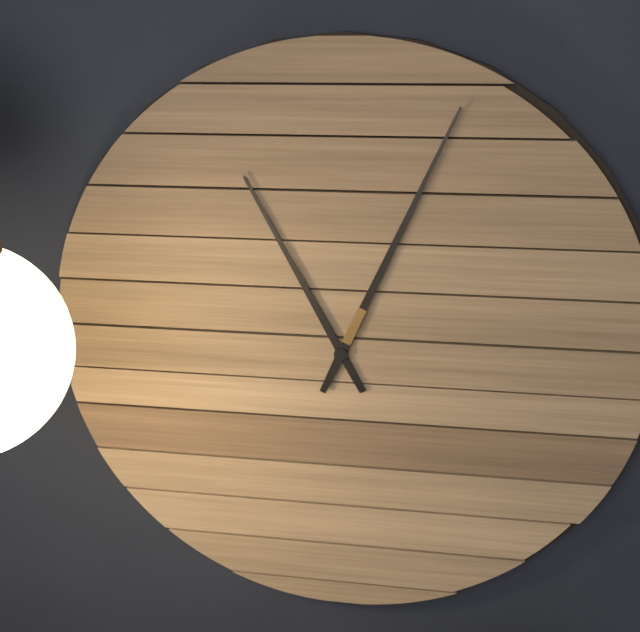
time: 11:04
